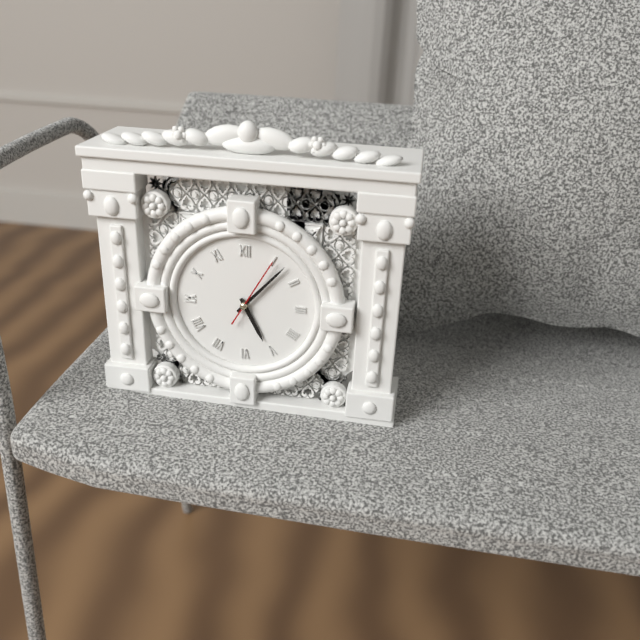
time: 5:07:05
